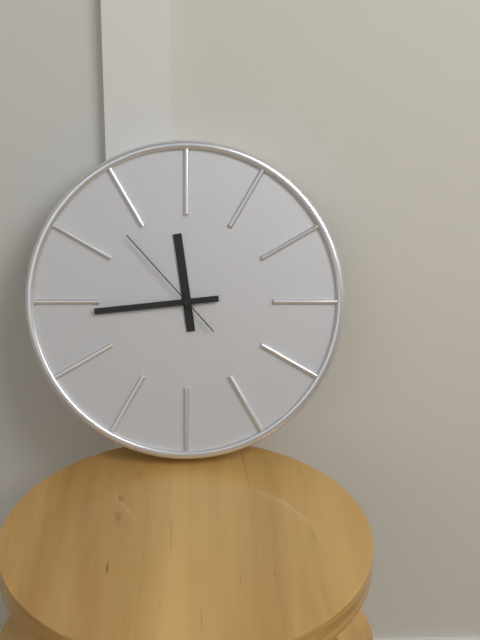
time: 11:44:53
